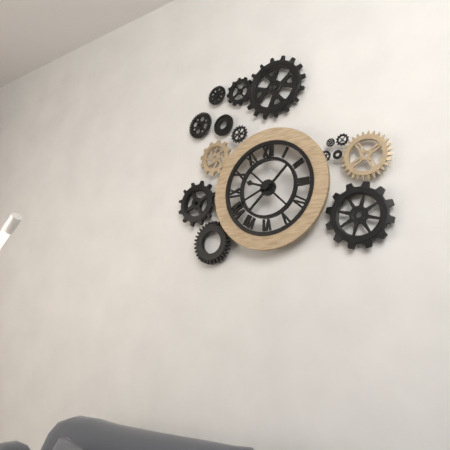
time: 9:41
